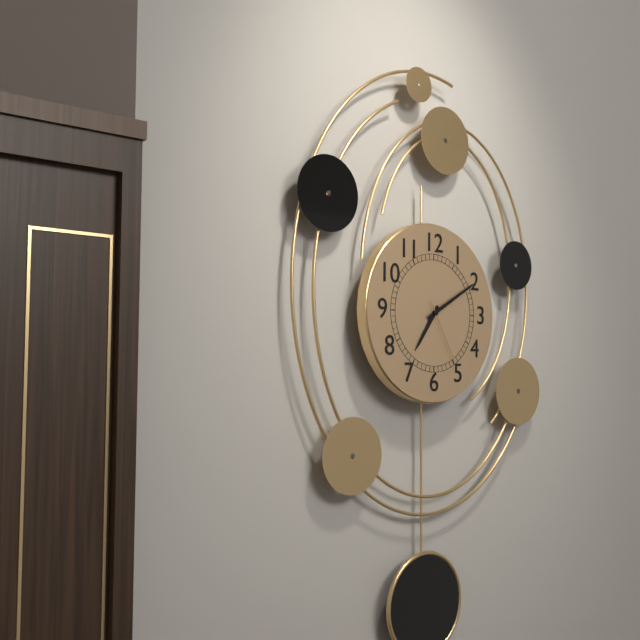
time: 7:10:25
